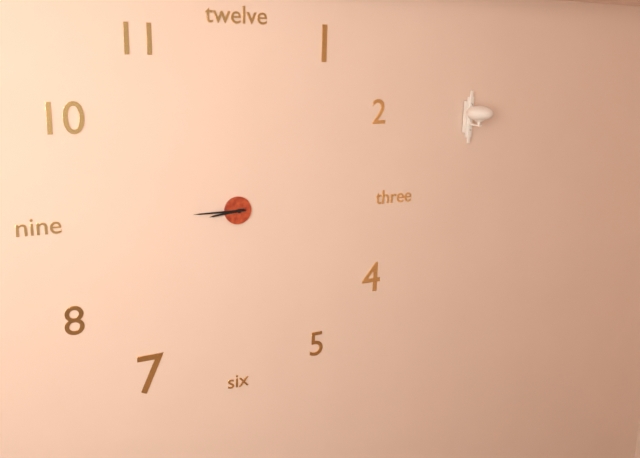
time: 8:45
